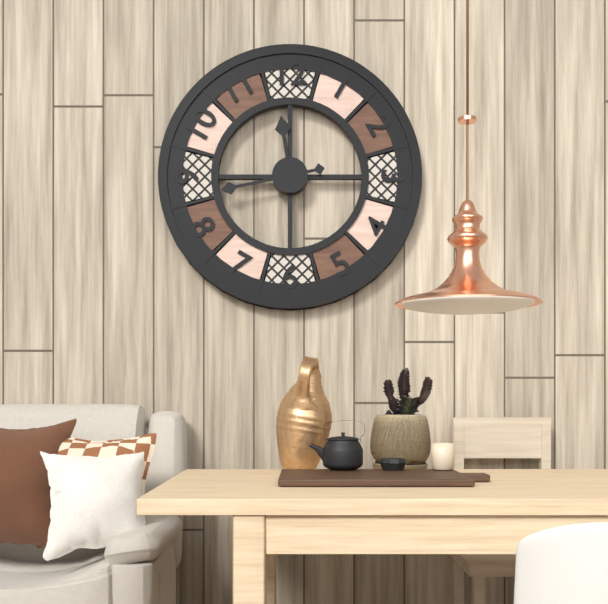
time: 11:43
